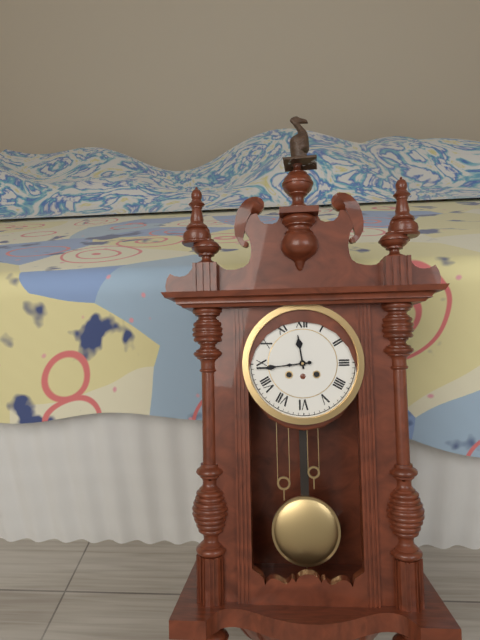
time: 11:44
